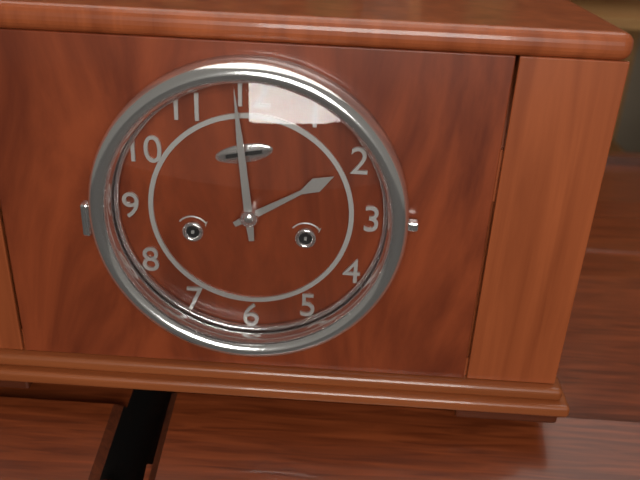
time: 1:59
